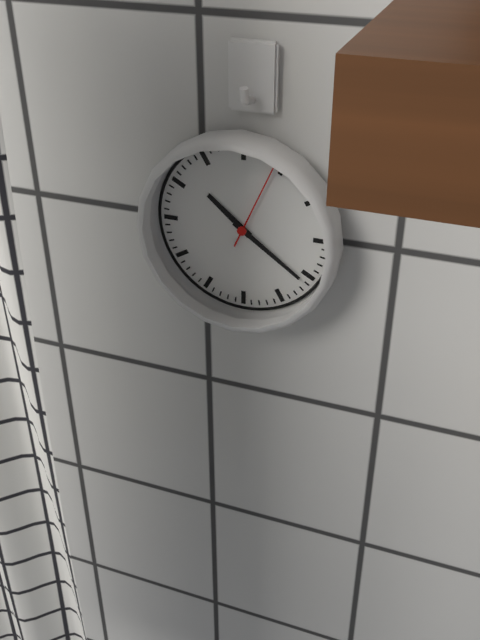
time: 10:21:04
